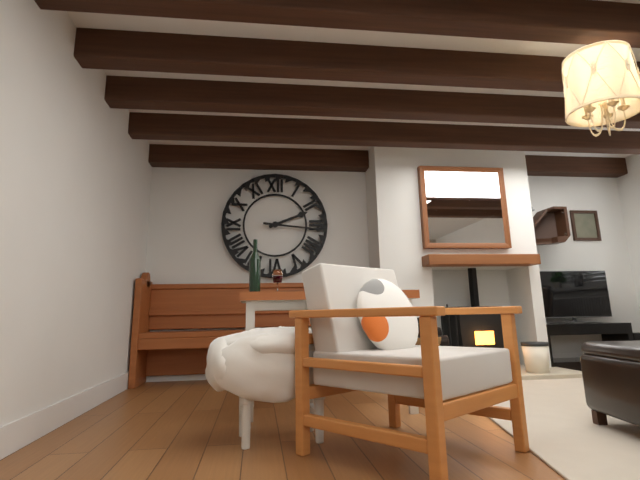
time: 2:16
